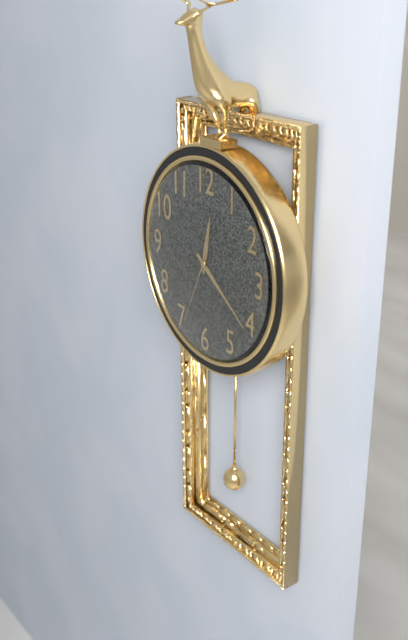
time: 12:21:34
